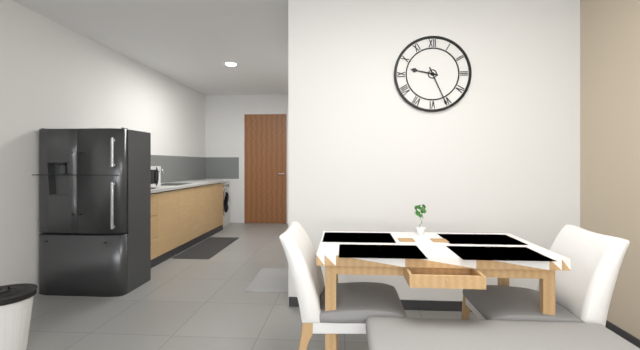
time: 9:26
